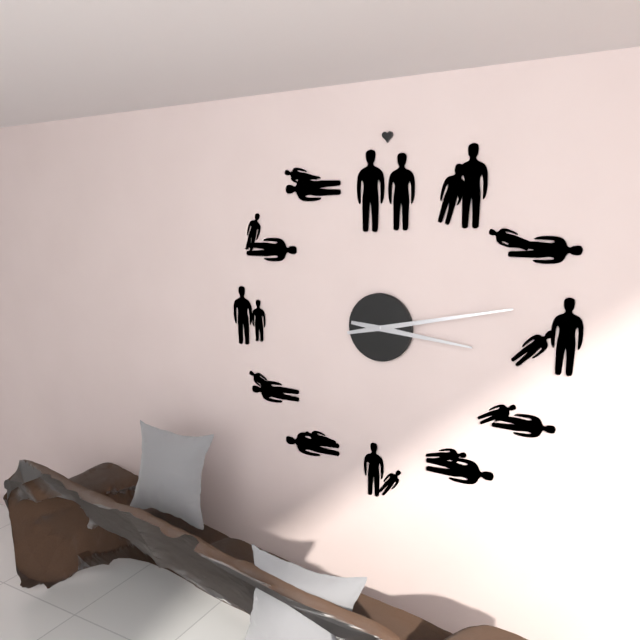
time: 3:13
